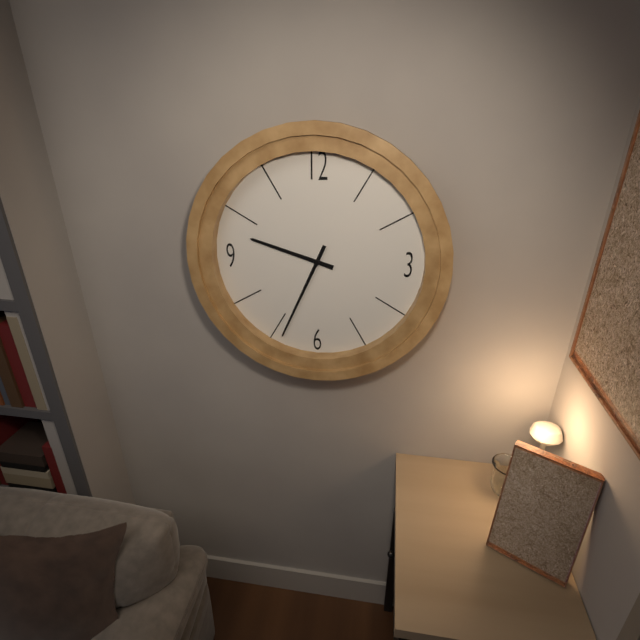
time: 9:34
